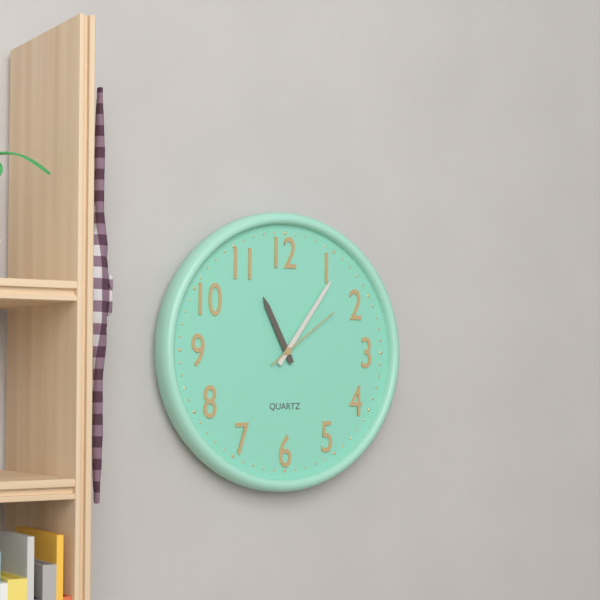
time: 11:06:09
